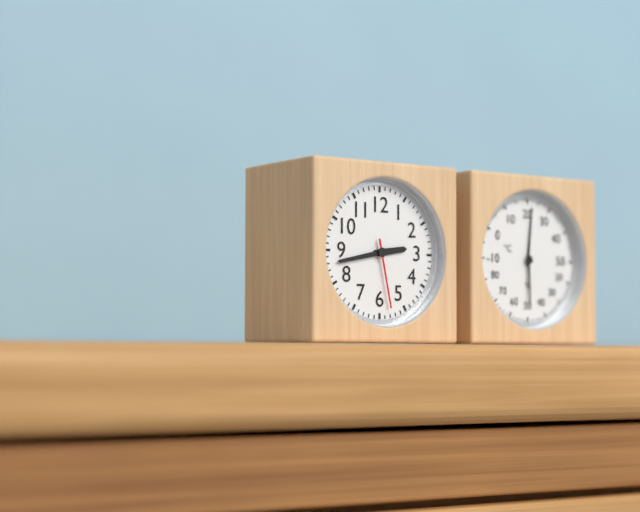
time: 2:43:28
